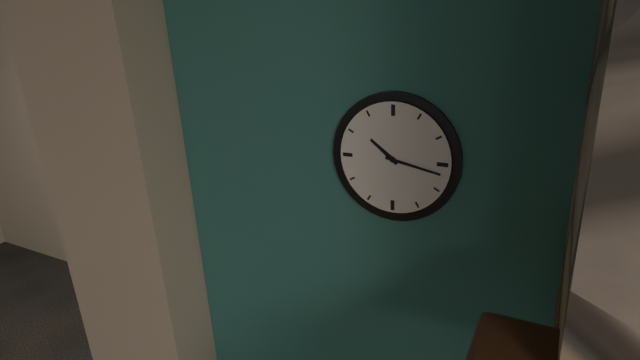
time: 10:17
